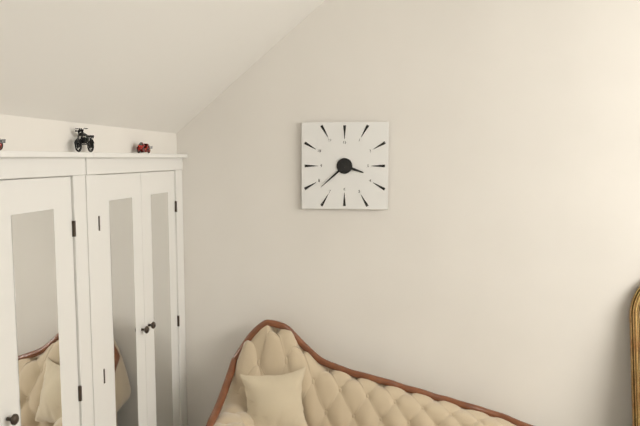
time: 3:38
